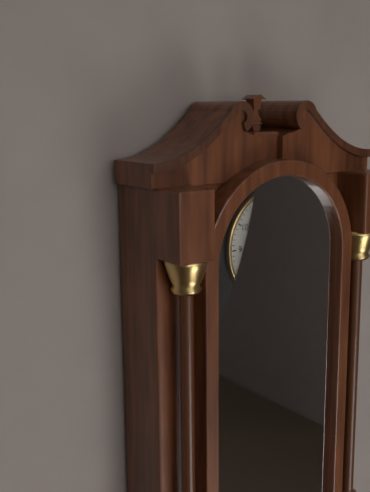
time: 6:55
